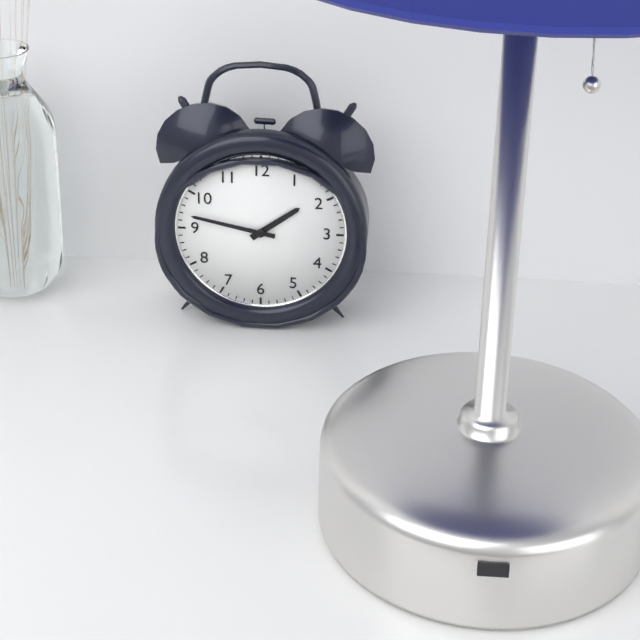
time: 1:47
